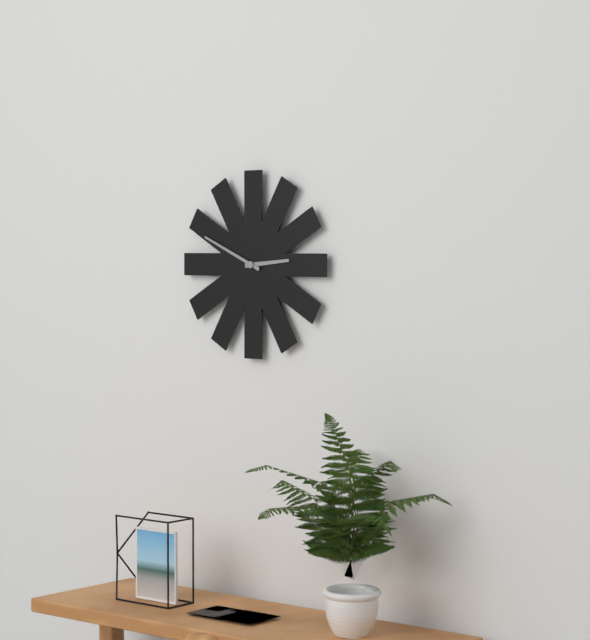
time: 2:49
